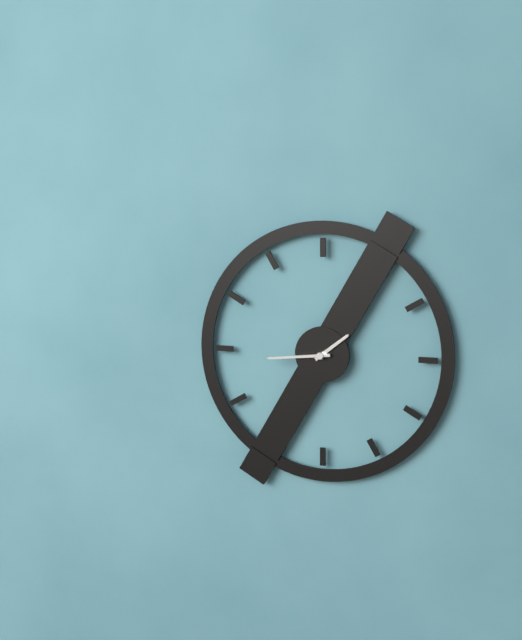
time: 1:44
